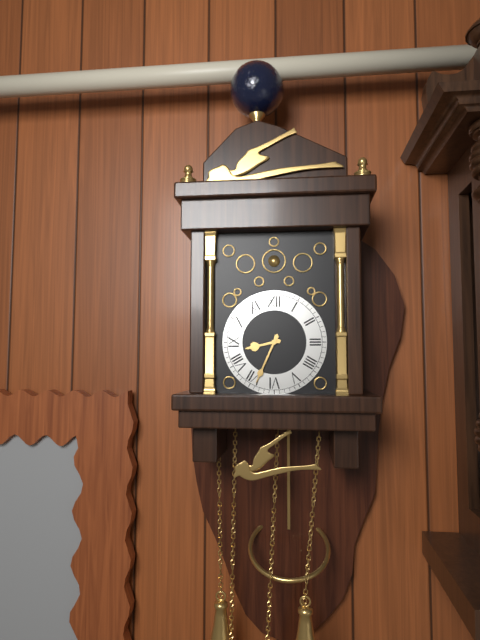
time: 8:34
